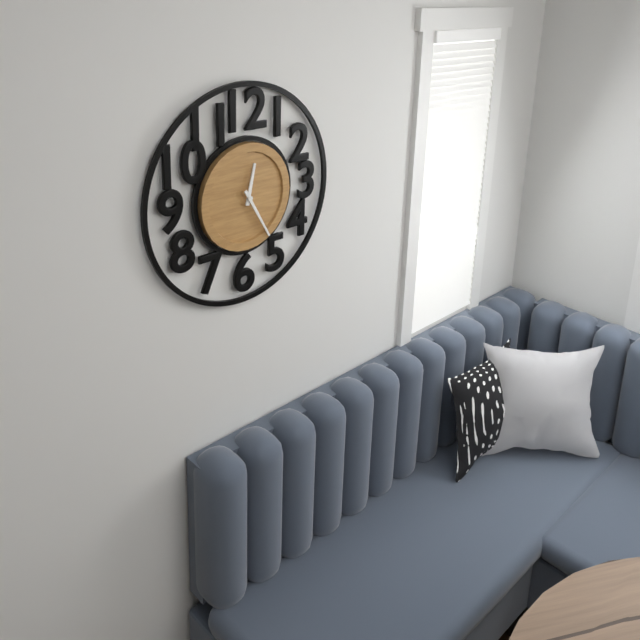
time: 12:25
